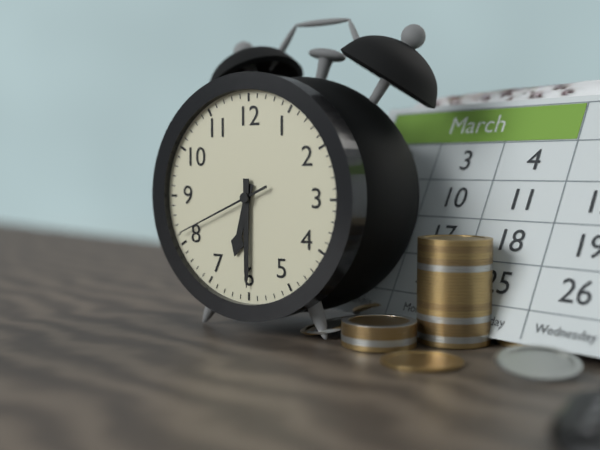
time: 6:30:41
